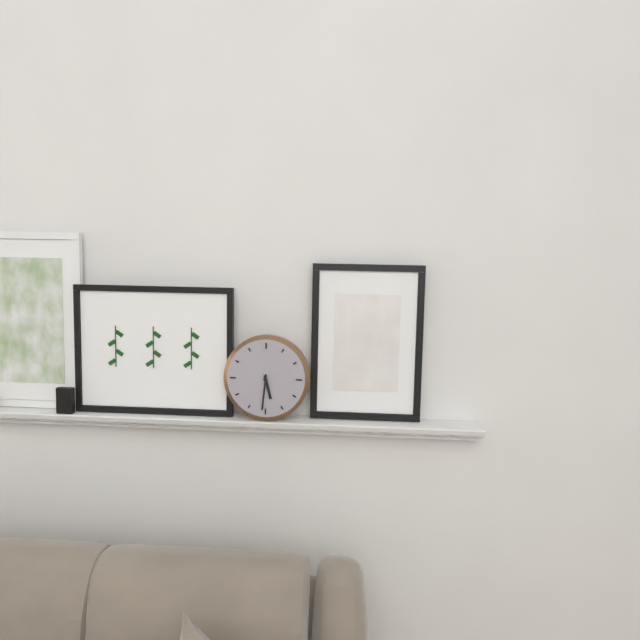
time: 5:31
